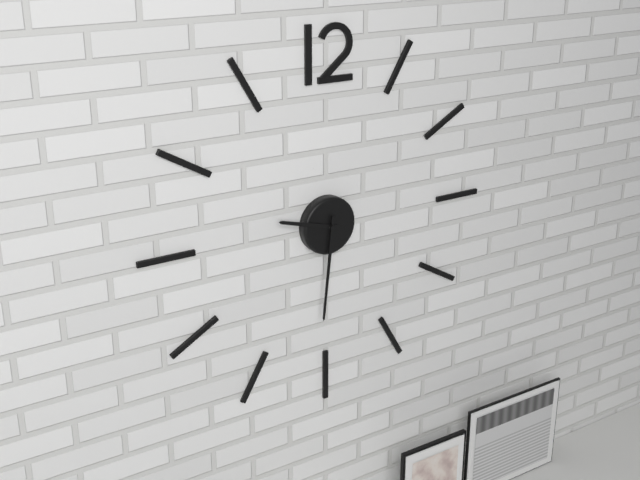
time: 9:31
